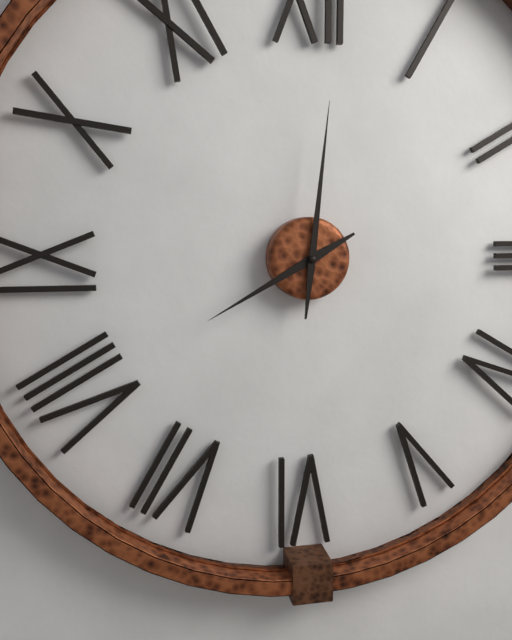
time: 8:01
